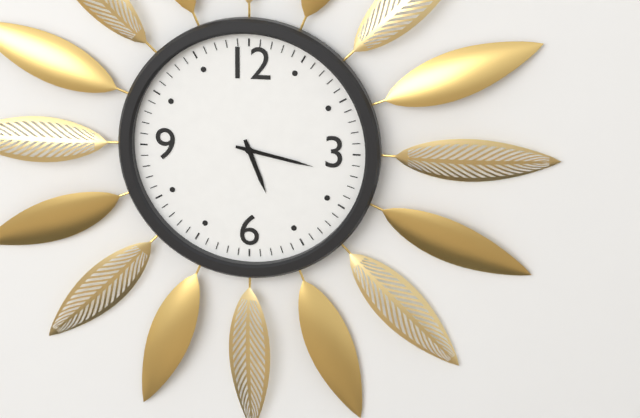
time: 5:17
